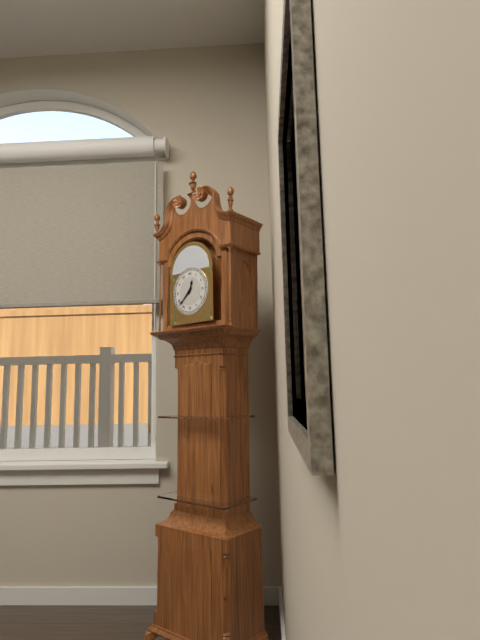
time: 12:38
